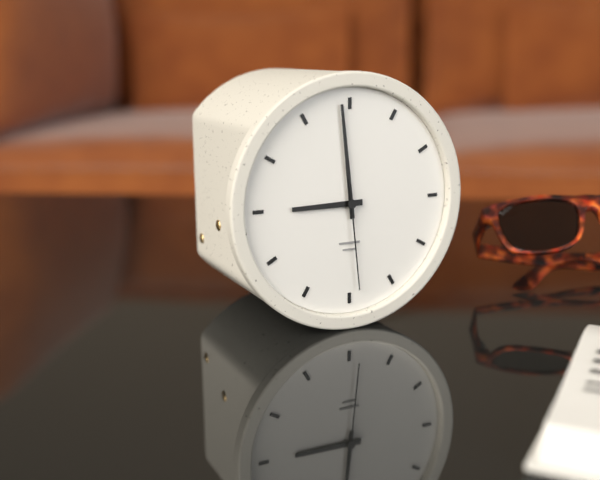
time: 8:59:29
